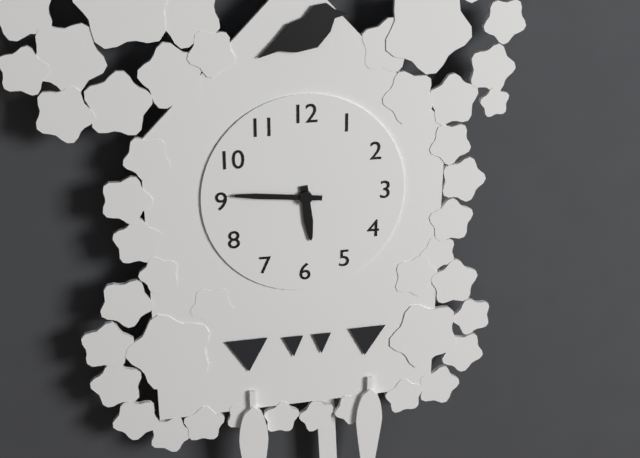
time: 5:46
